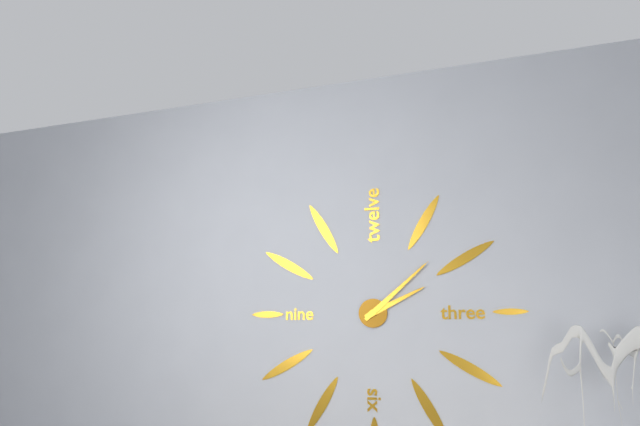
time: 2:08
